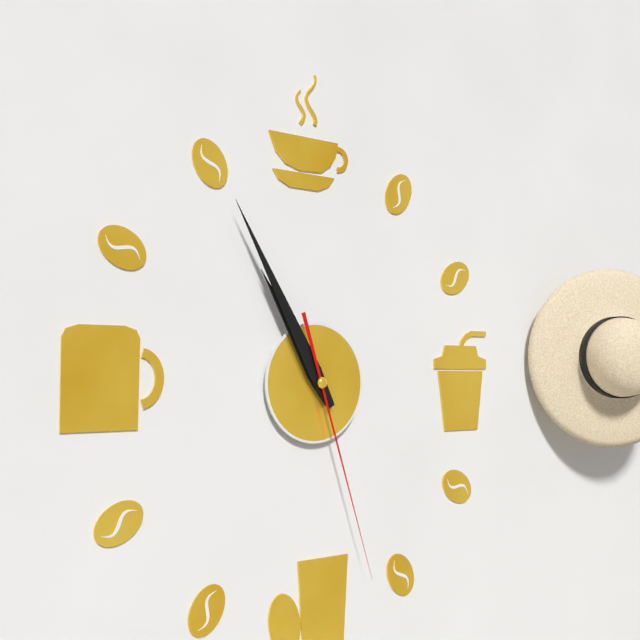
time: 10:55:27
